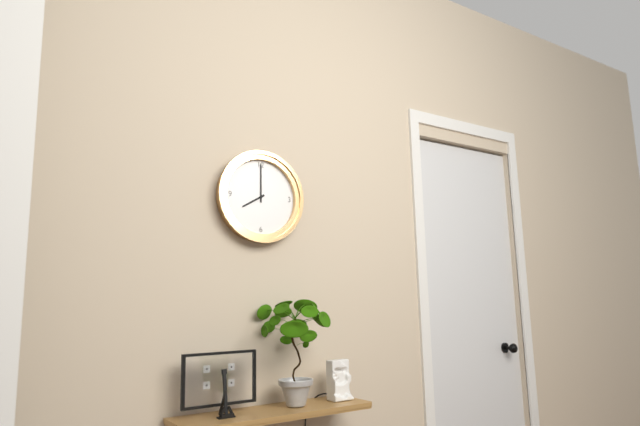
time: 8:00
